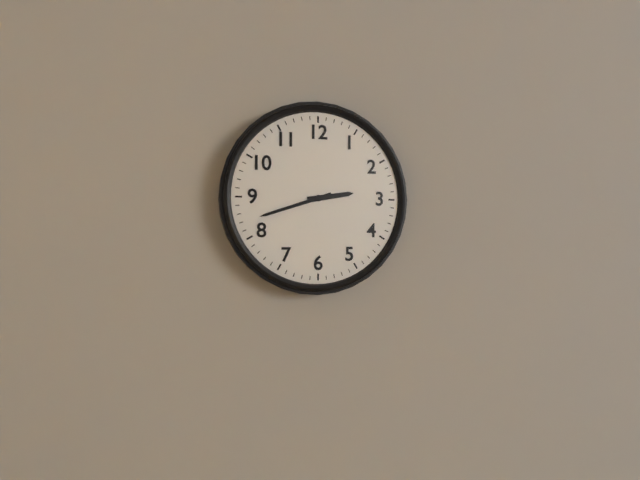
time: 2:42
